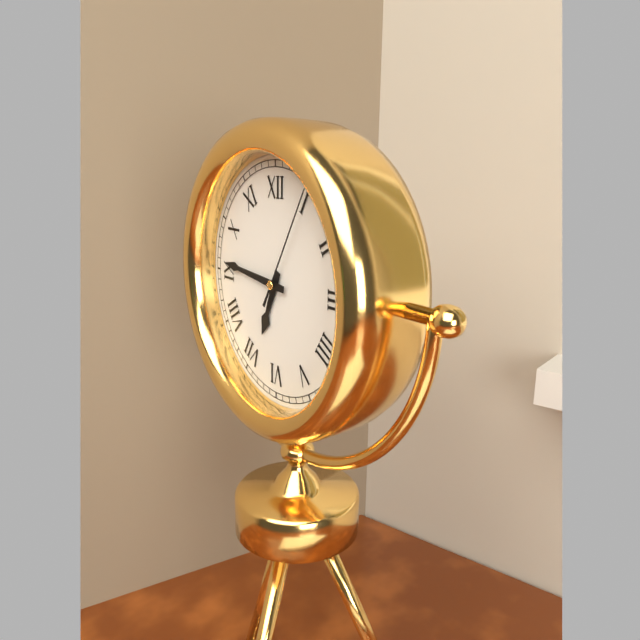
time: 6:46:05
